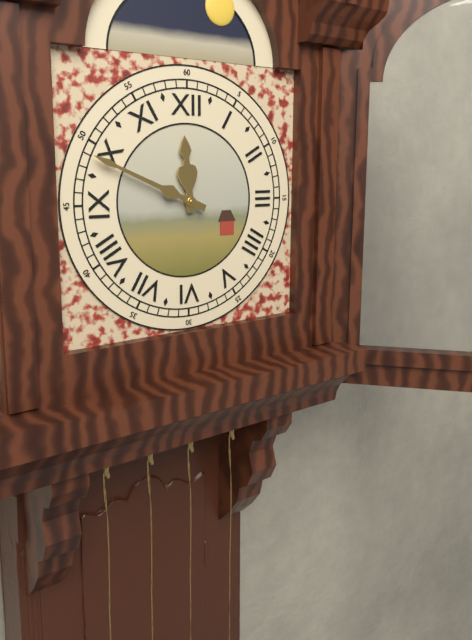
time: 11:49
